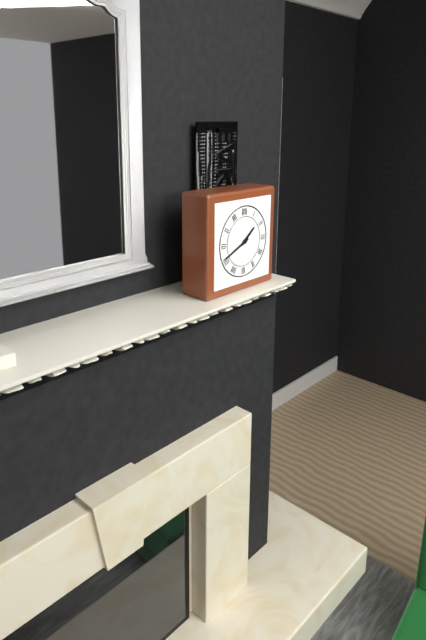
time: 1:41
